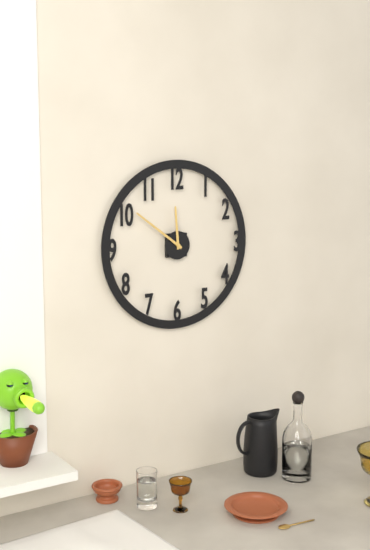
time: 11:51
